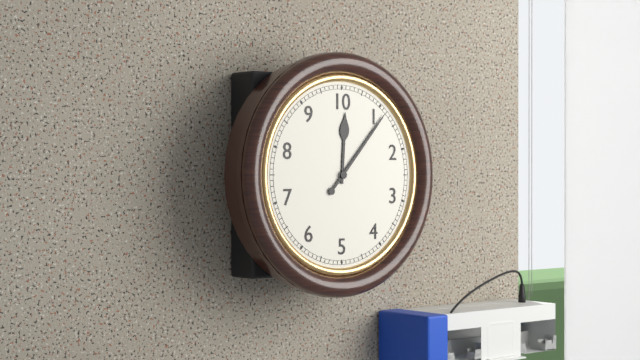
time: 12:07
